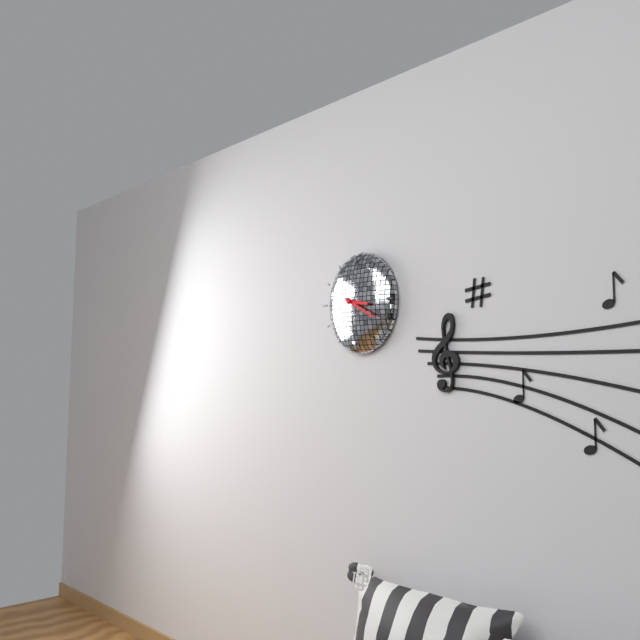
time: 3:20
